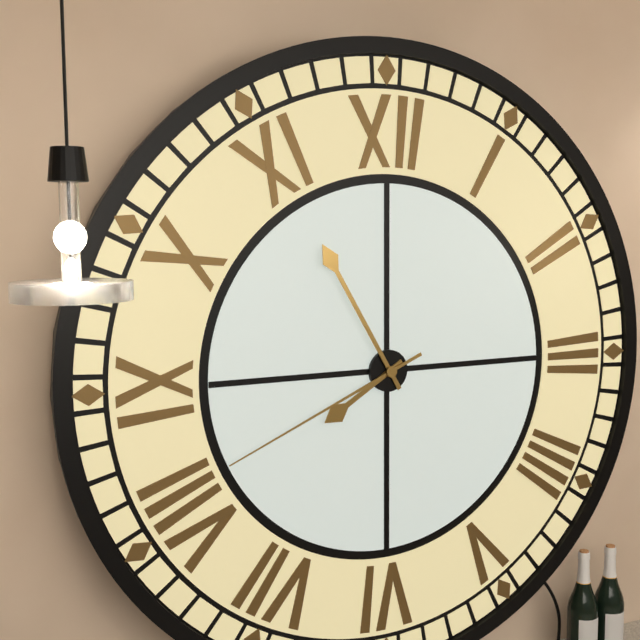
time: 7:55:41
